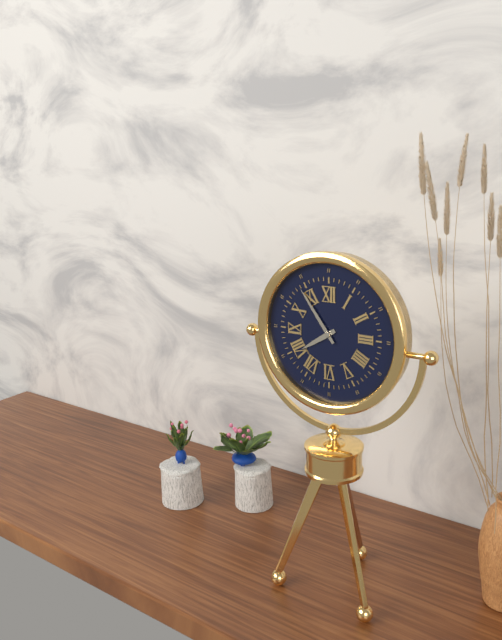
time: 7:54
